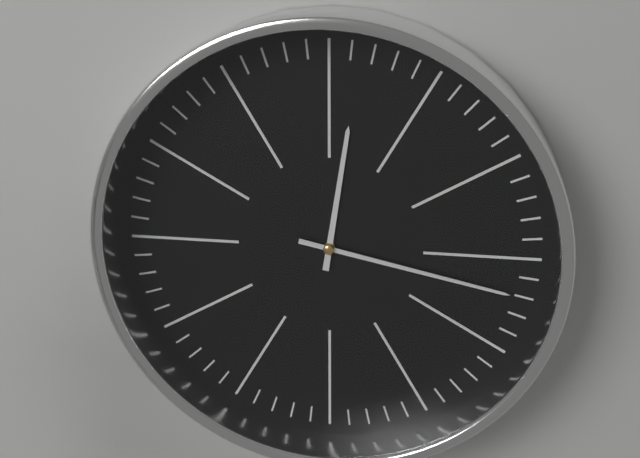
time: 12:17
